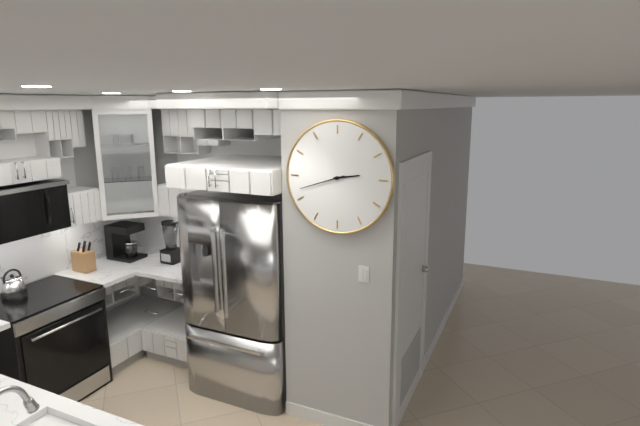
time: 2:42
